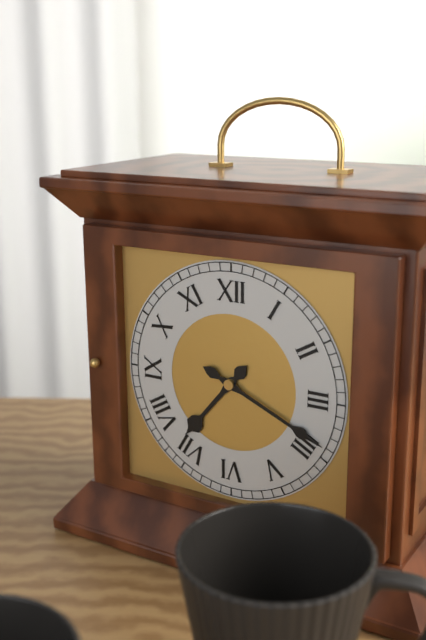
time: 7:19
